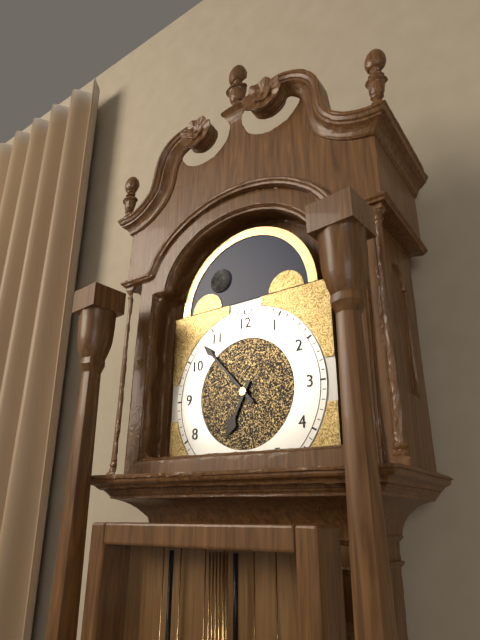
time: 6:53
